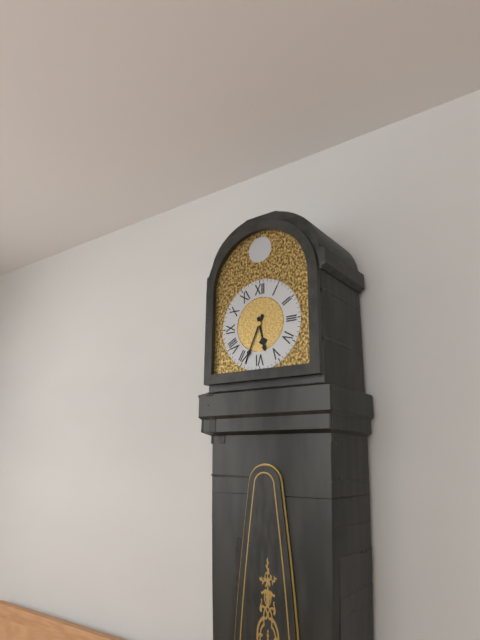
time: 5:34
